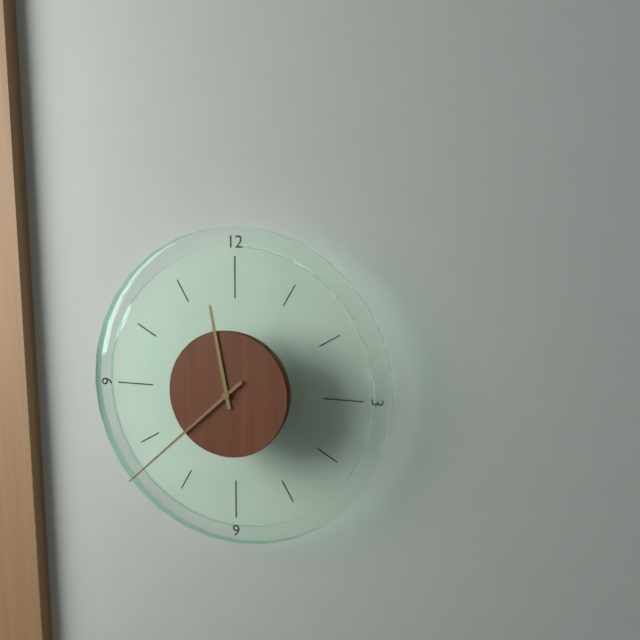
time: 11:38
